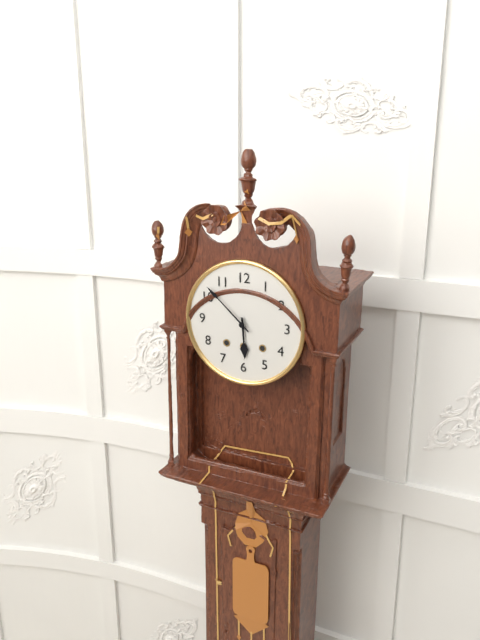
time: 5:52
